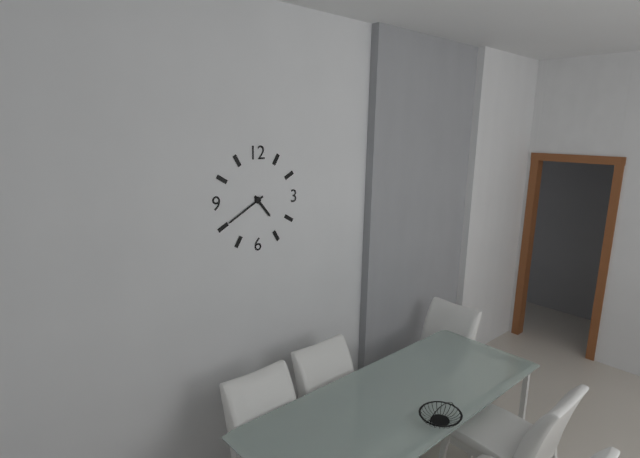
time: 4:40
